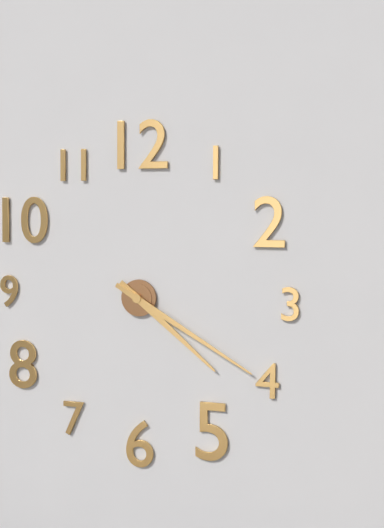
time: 4:20
